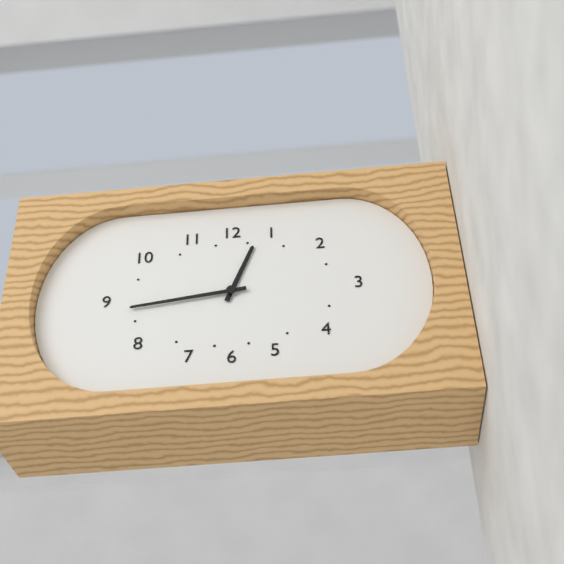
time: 12:44
